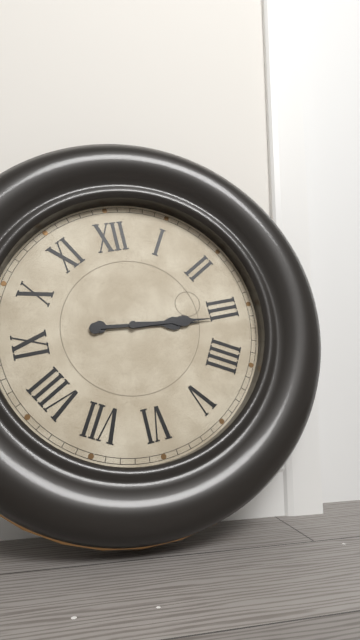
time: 3:16
